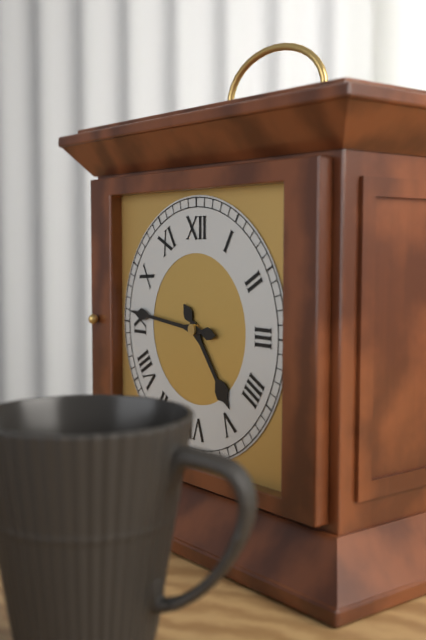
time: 4:46
